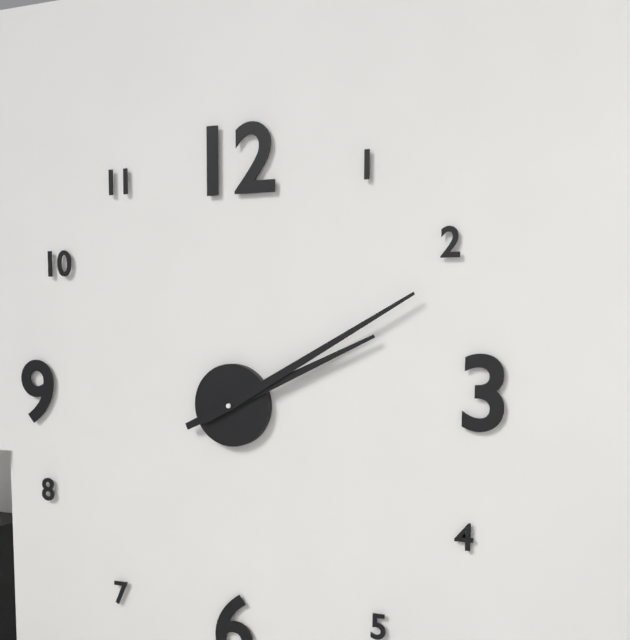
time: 2:10
